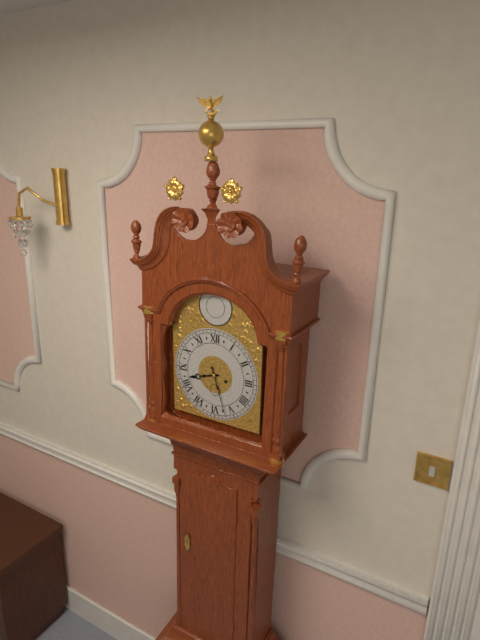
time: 8:27
